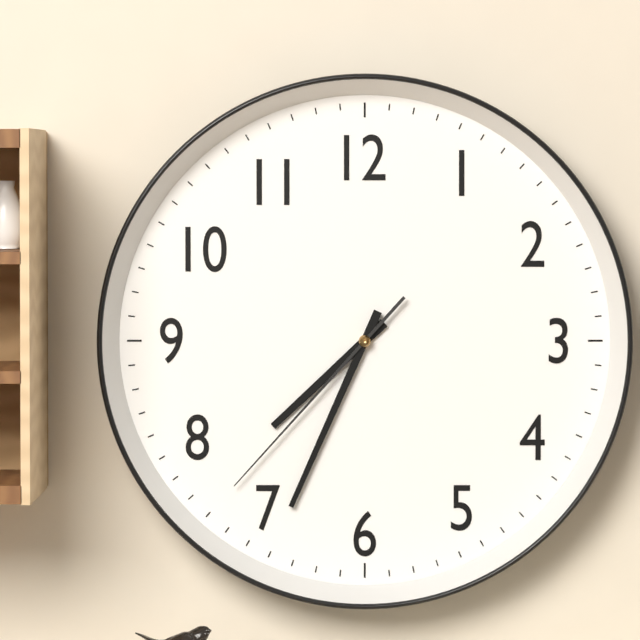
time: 7:34:37
